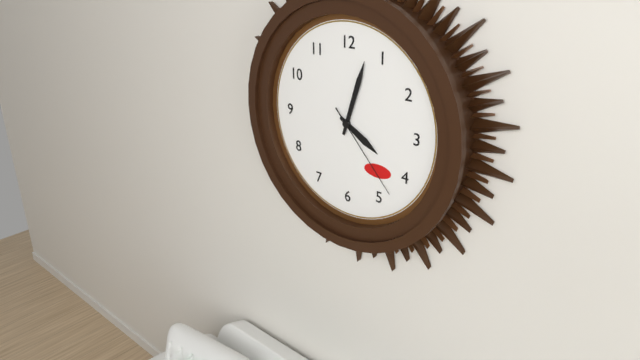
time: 4:03:23
